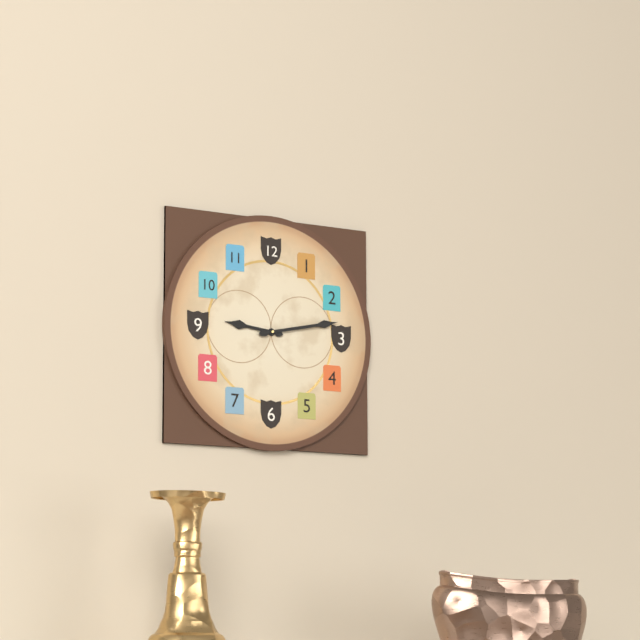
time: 9:13
